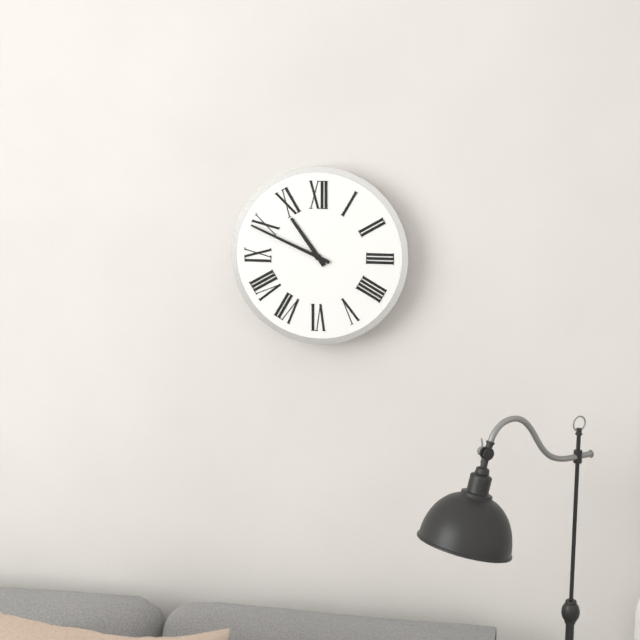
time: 10:49
